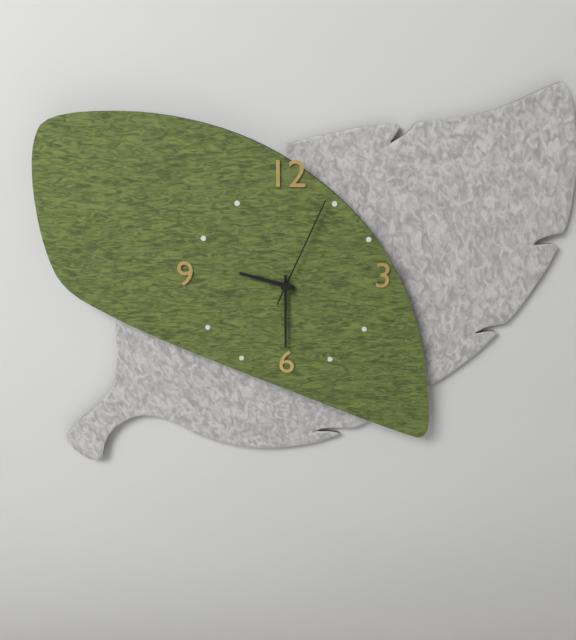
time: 9:30:04
